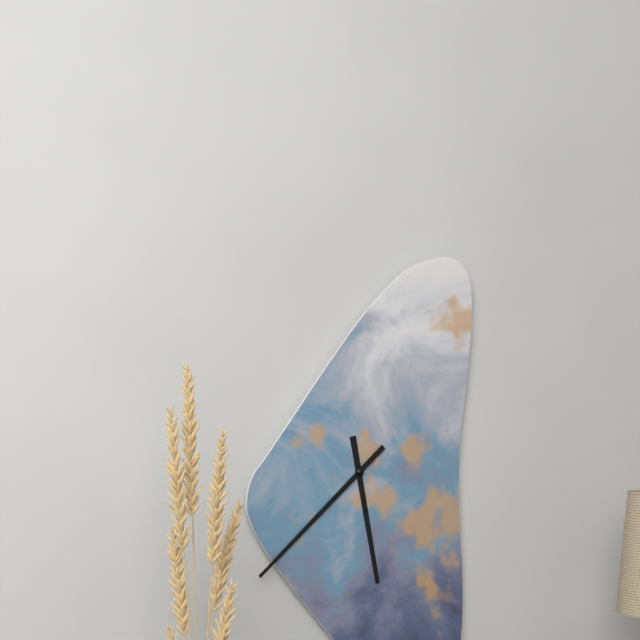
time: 5:38
